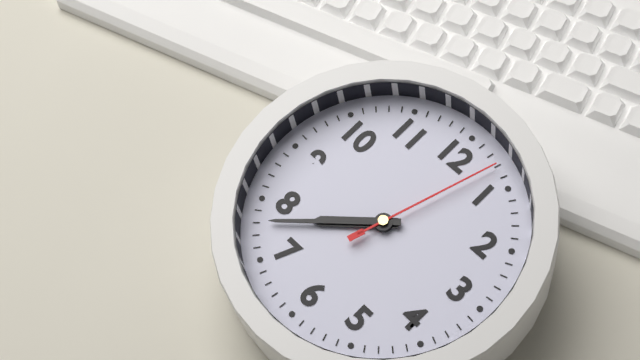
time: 7:38:03
